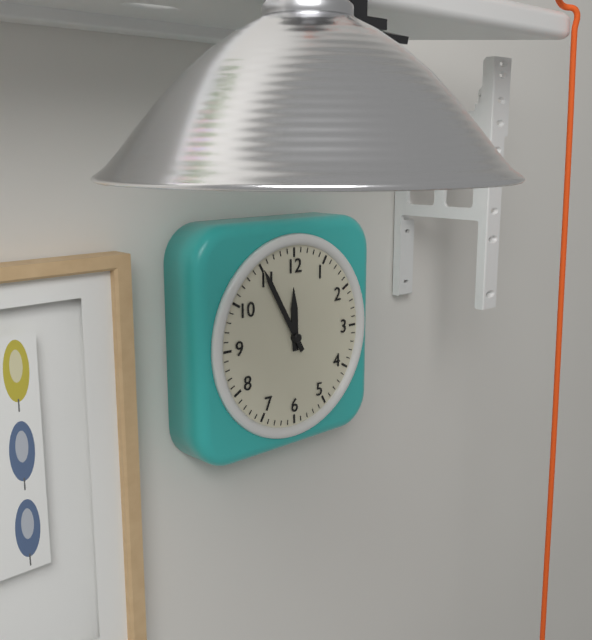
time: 11:55
